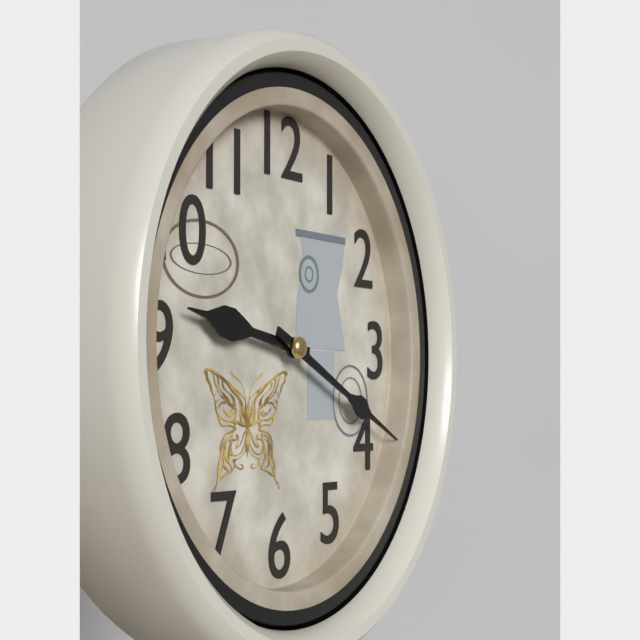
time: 9:19
